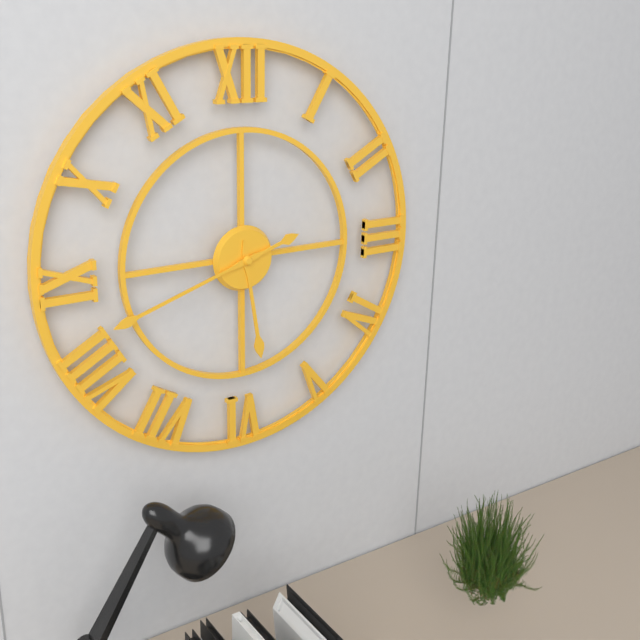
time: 5:42
